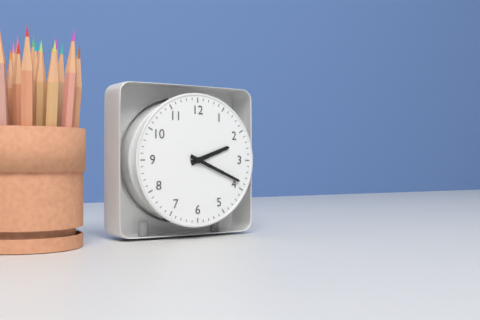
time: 2:19
